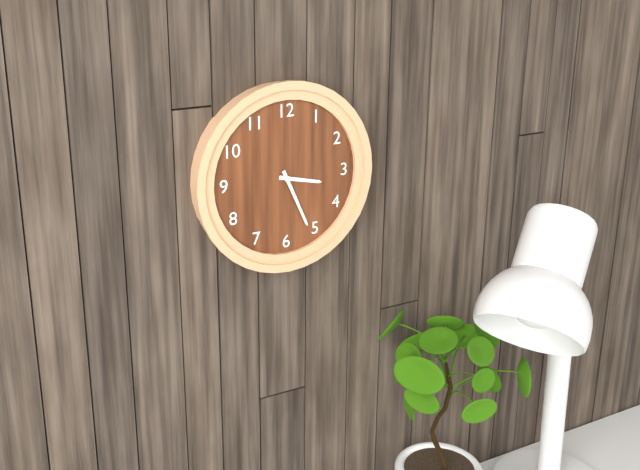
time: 3:26
